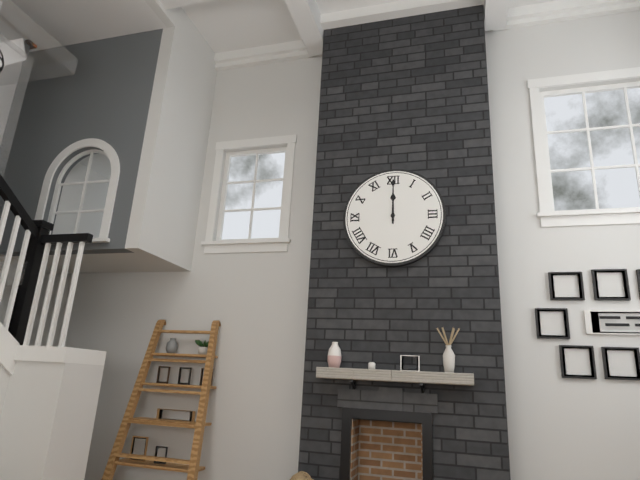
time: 12:00
